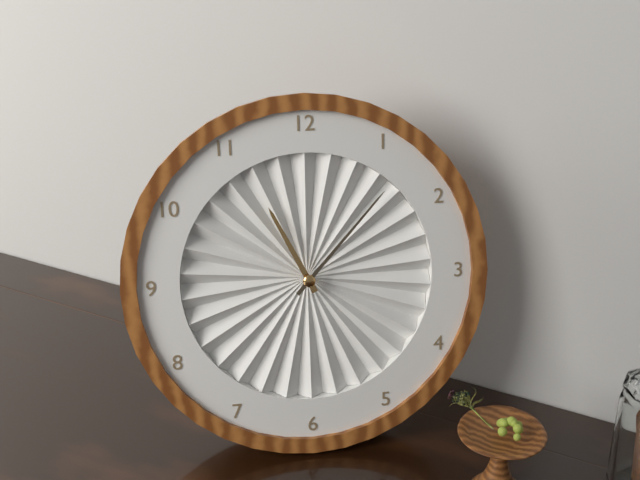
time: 11:07
